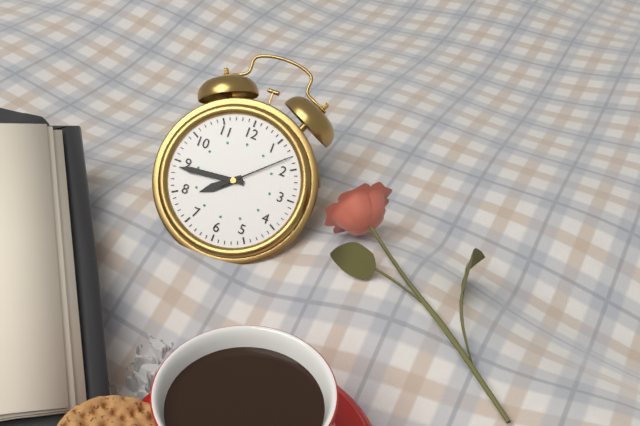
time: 7:44:08
